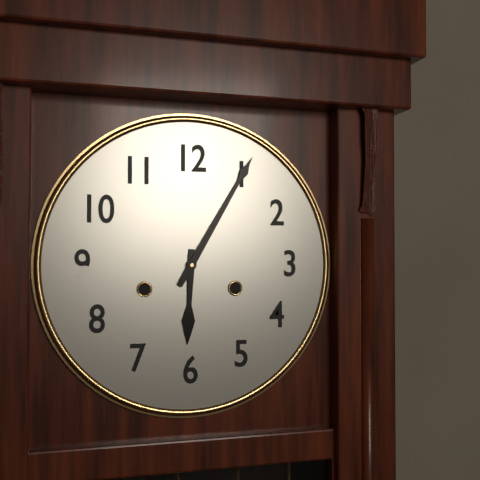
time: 6:05
